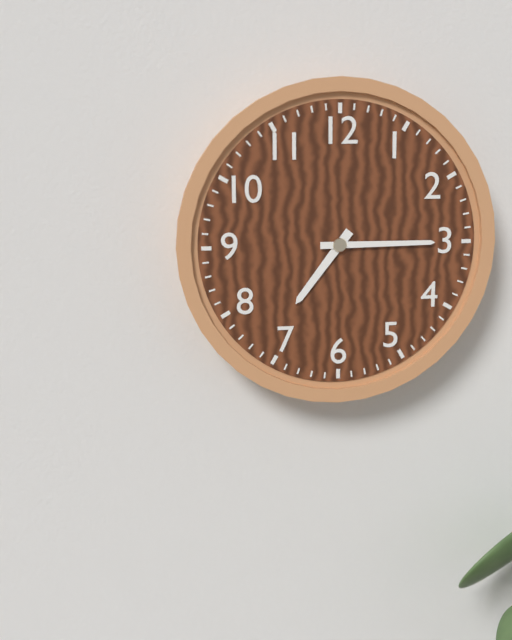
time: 7:15
